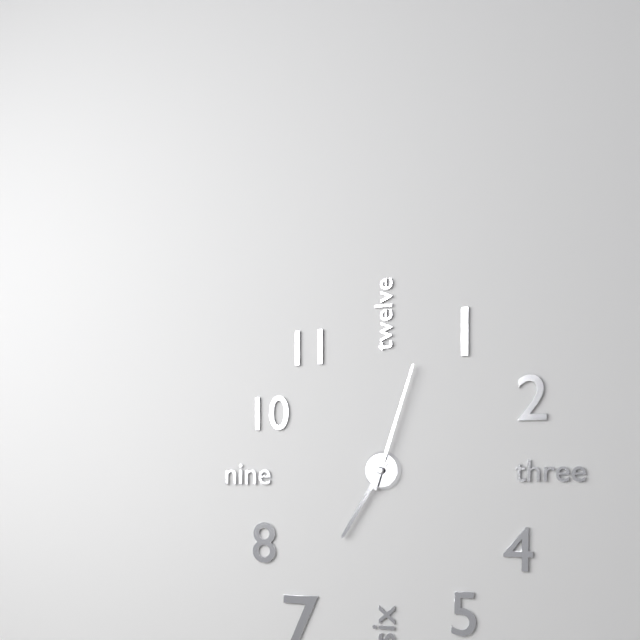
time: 7:03
